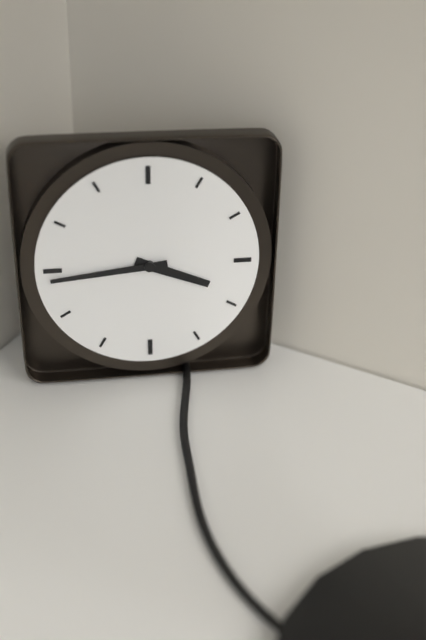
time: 3:44
